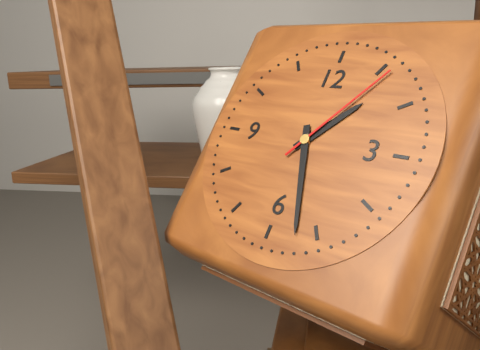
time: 1:27:06
